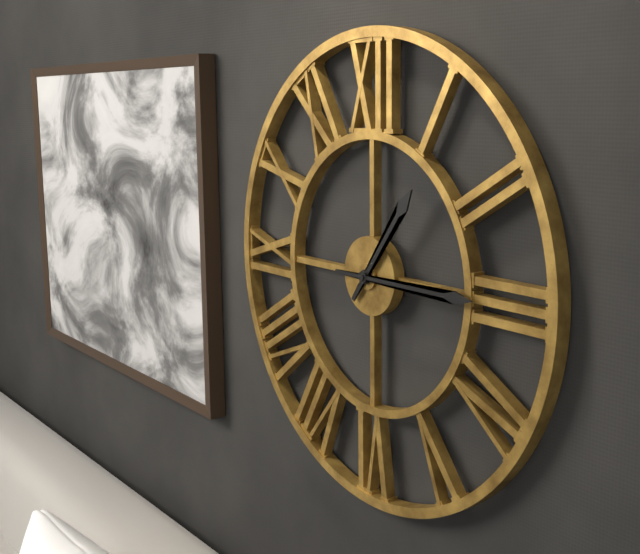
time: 1:15
